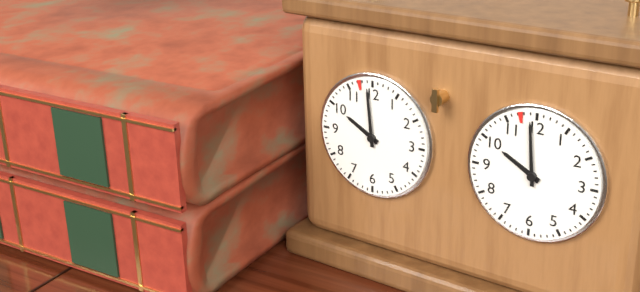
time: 9:59
